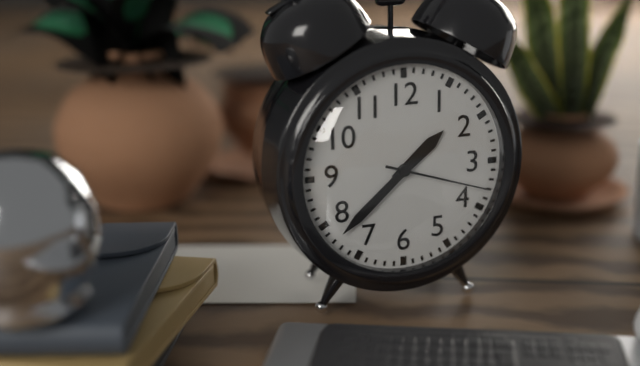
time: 1:38:18
